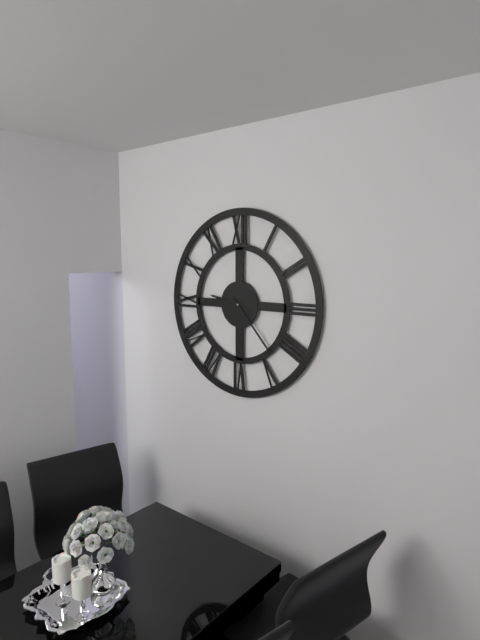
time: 9:23
